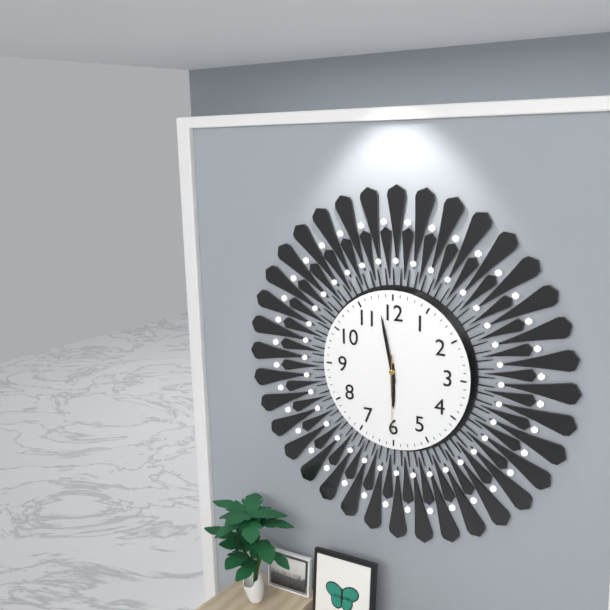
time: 5:58:30
